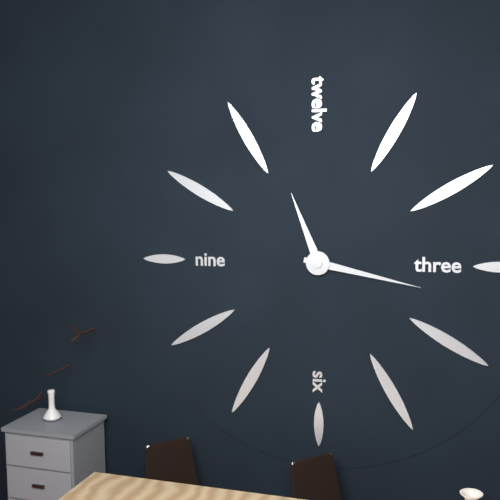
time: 11:17
